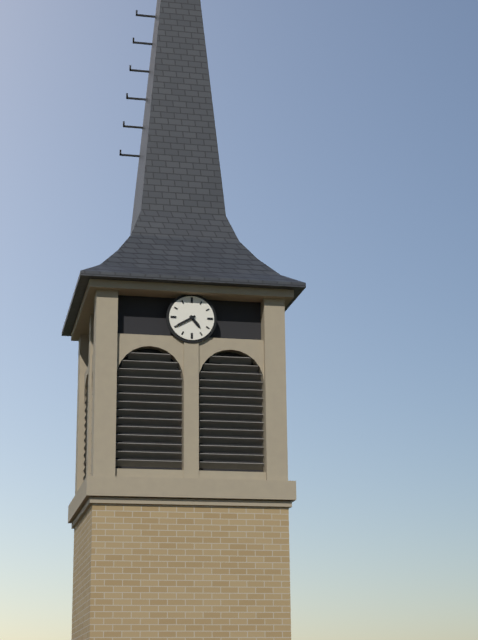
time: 4:40
